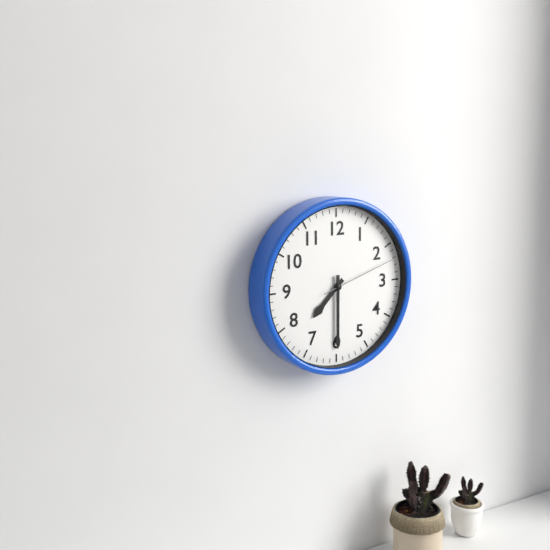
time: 7:30:12
